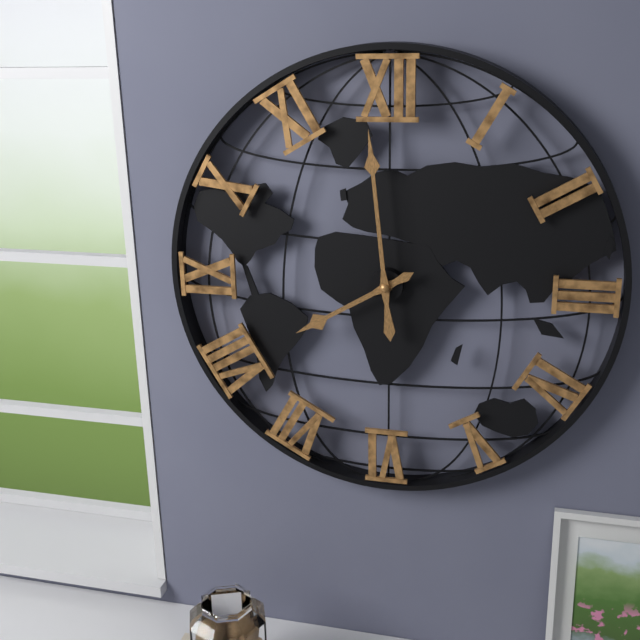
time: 7:59
